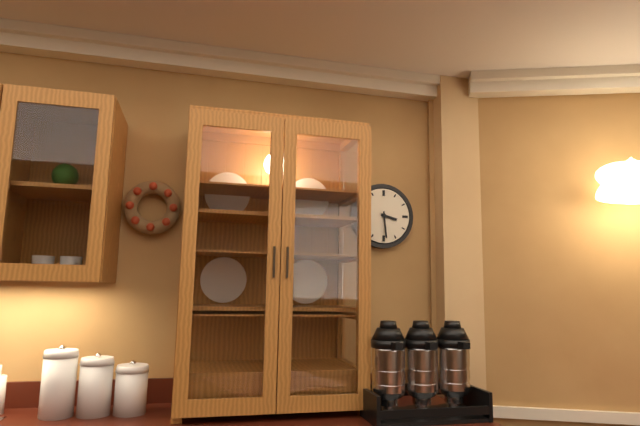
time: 3:29
